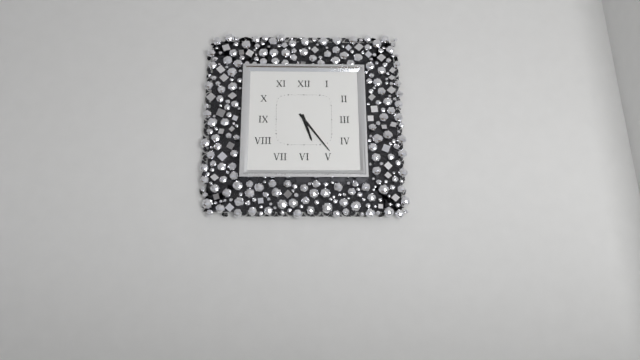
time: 5:24
